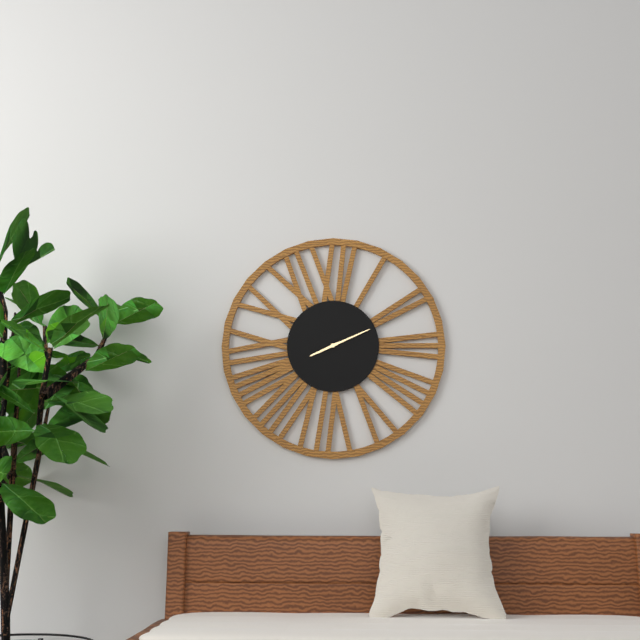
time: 8:11
